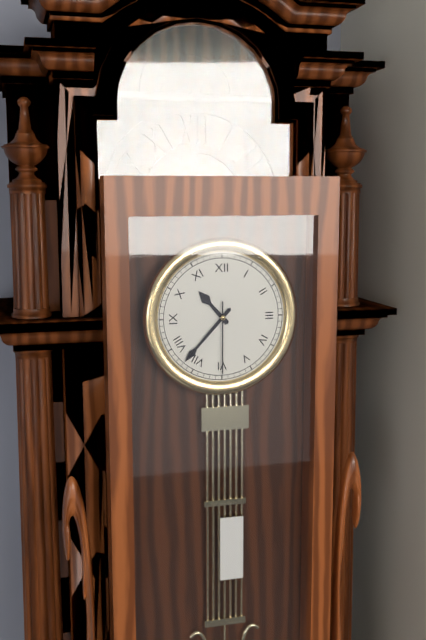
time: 10:37:30
